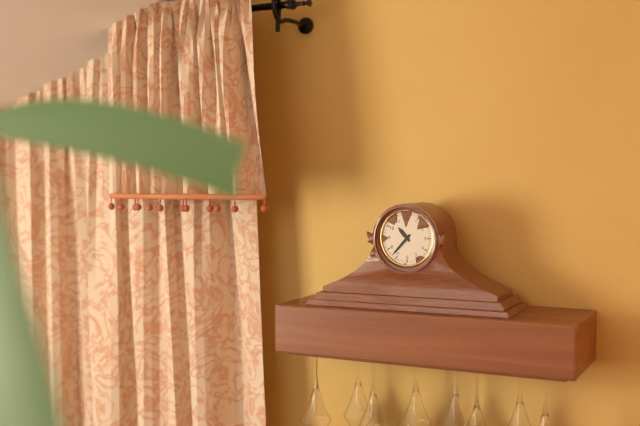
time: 10:37
